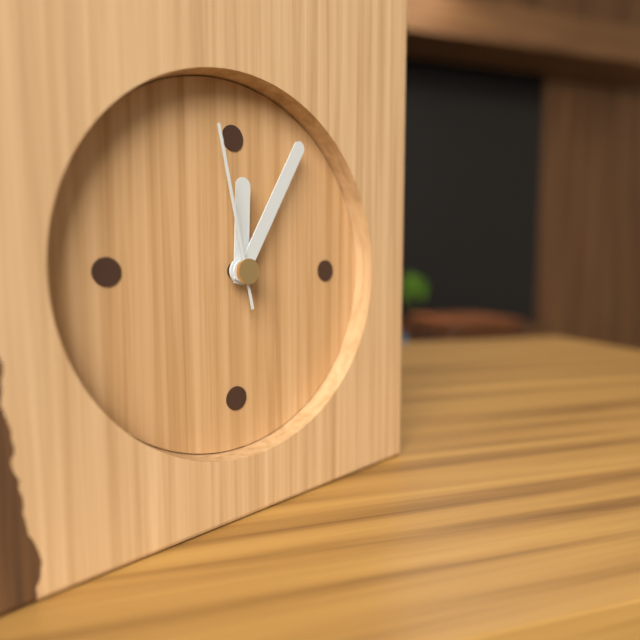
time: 12:05:58
